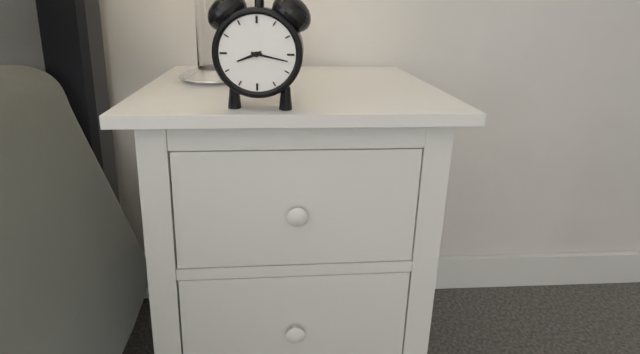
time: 8:17
